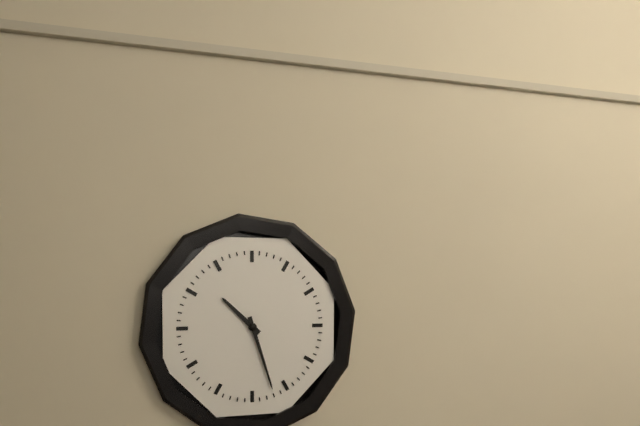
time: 10:27
